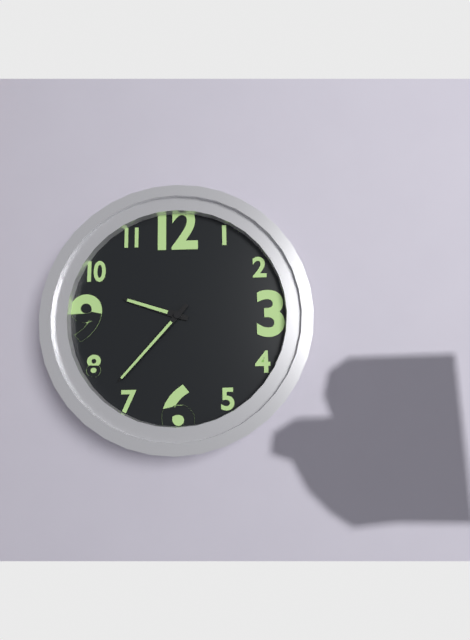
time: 9:37
